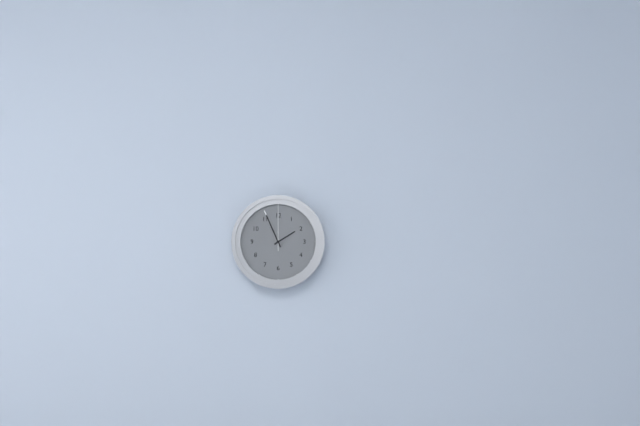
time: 1:56
